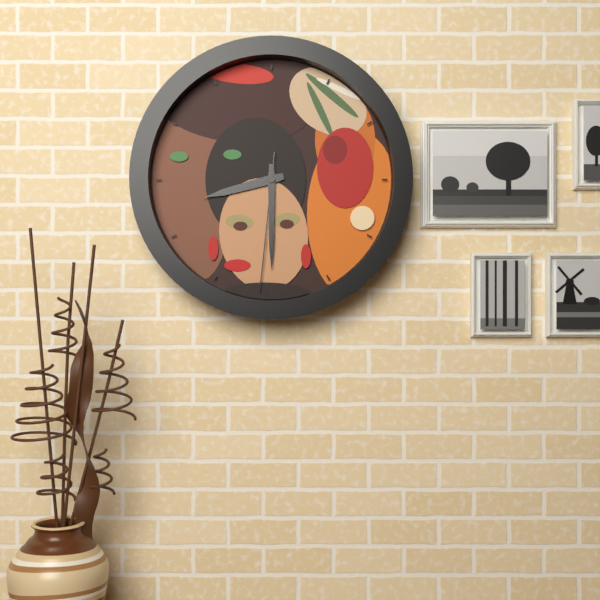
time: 8:30:31
